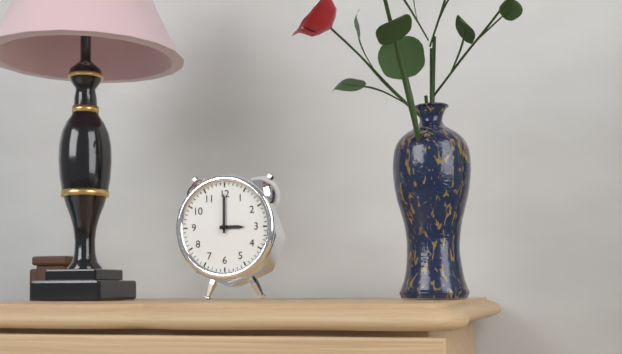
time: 3:00
